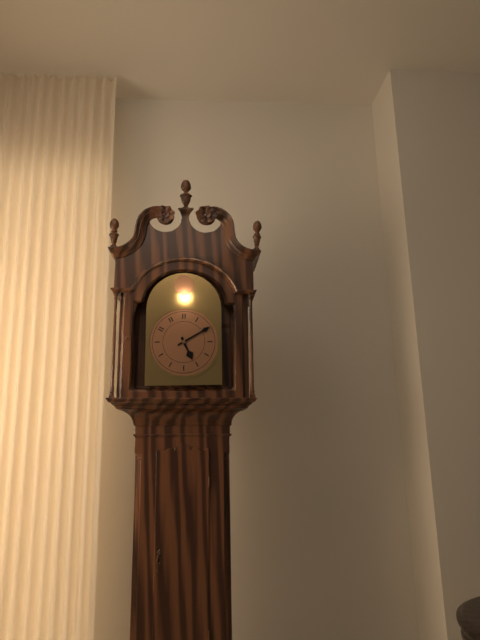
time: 5:10
